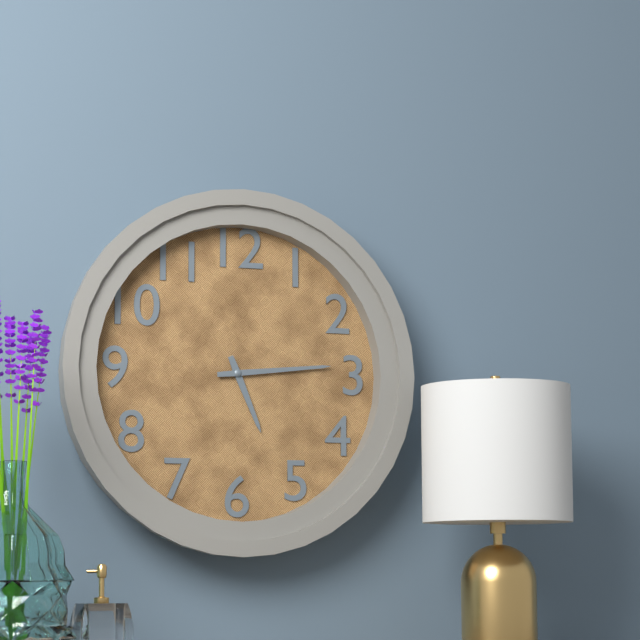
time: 5:14
